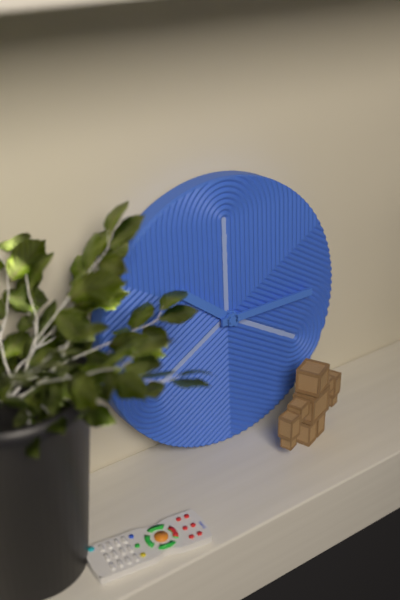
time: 10:15
